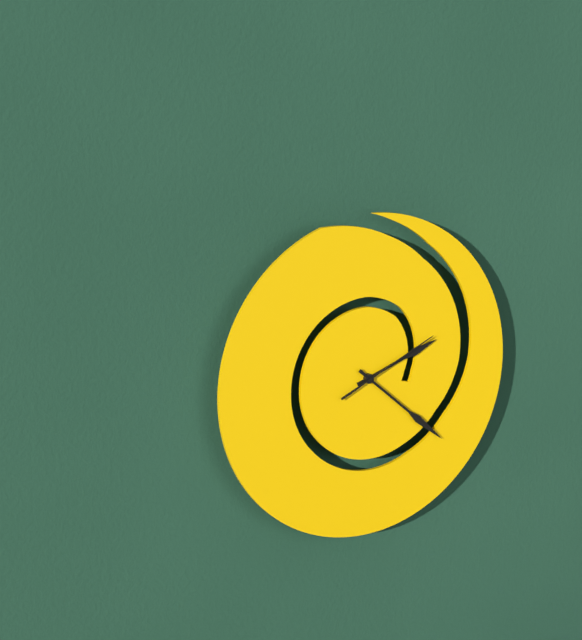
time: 2:22:11
